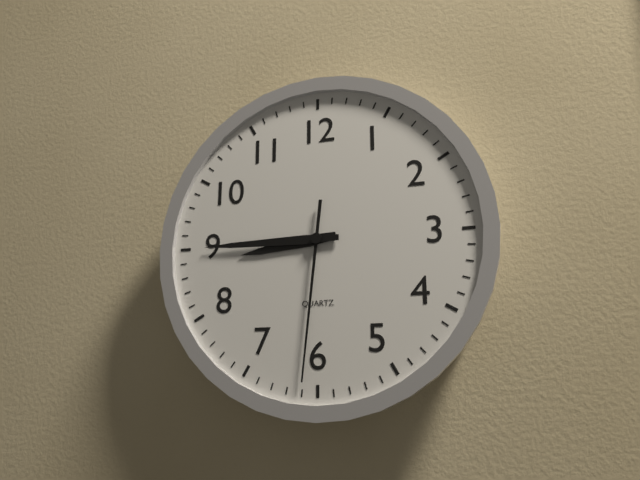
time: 8:45:31
